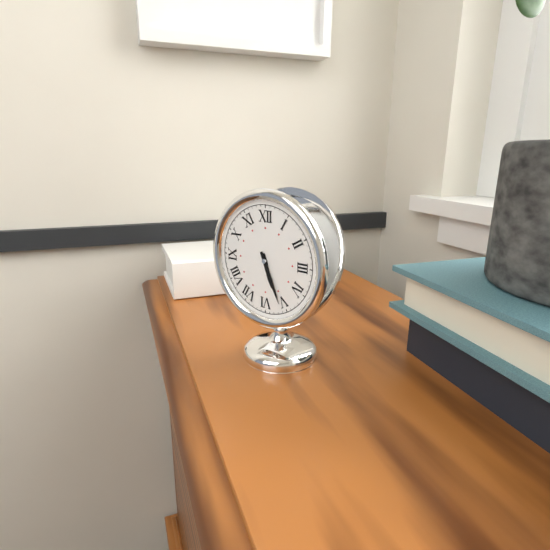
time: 5:26
